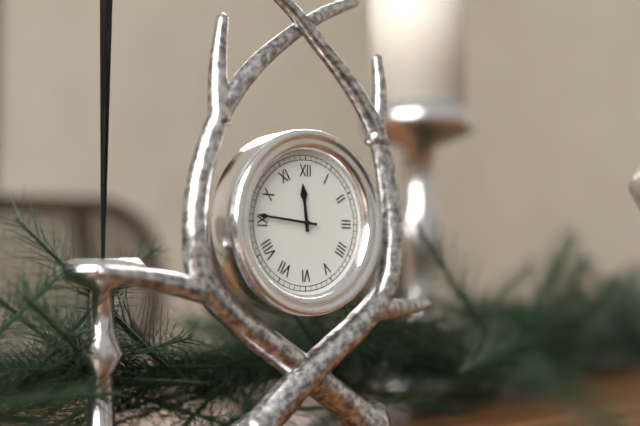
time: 11:46
